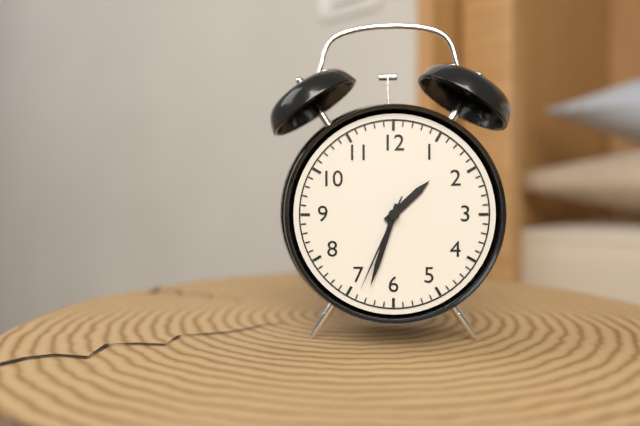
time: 1:33:34
